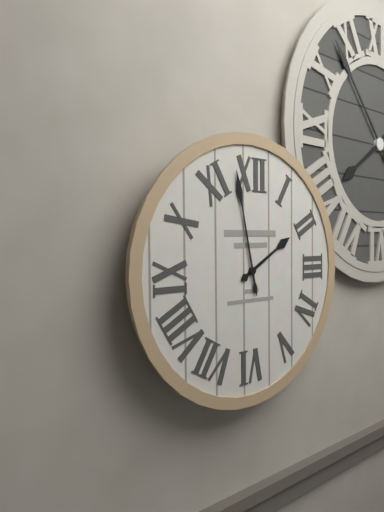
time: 1:58
